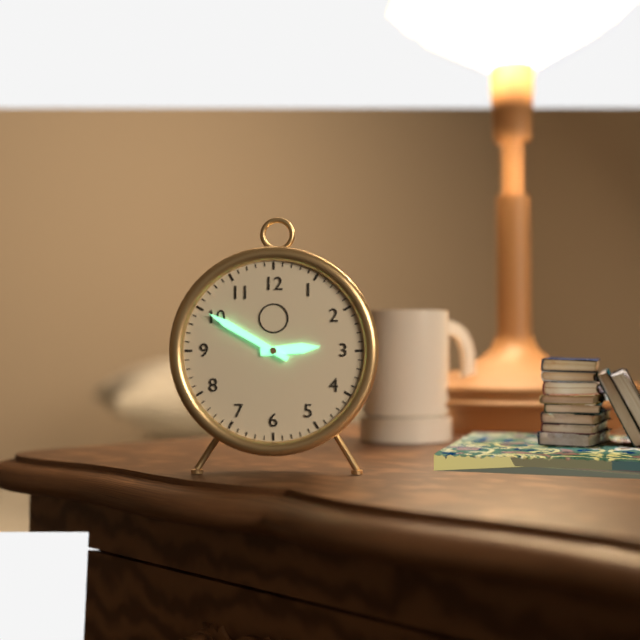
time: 2:50
